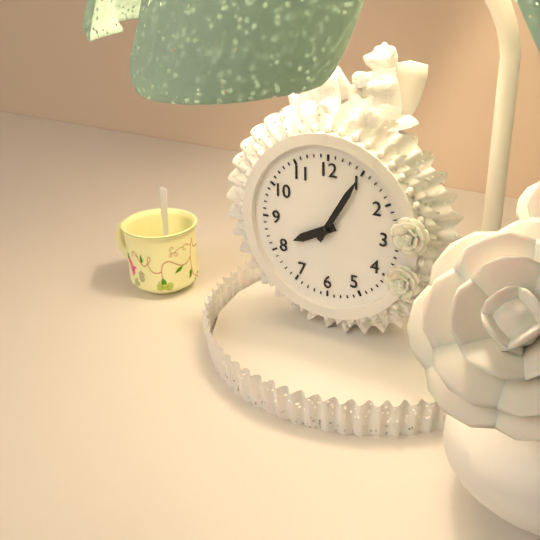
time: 8:05
